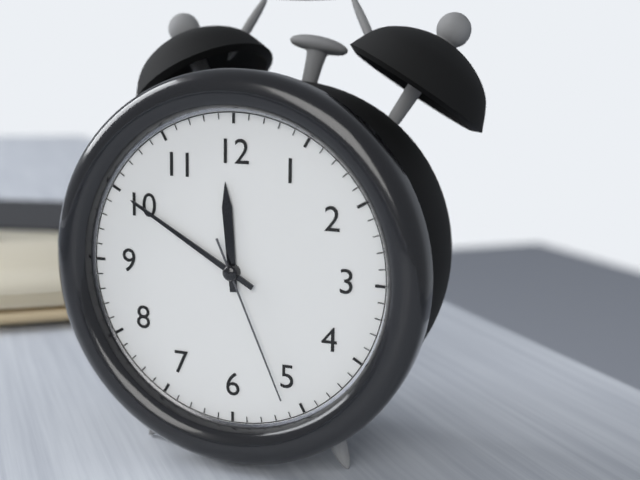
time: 11:50:26
